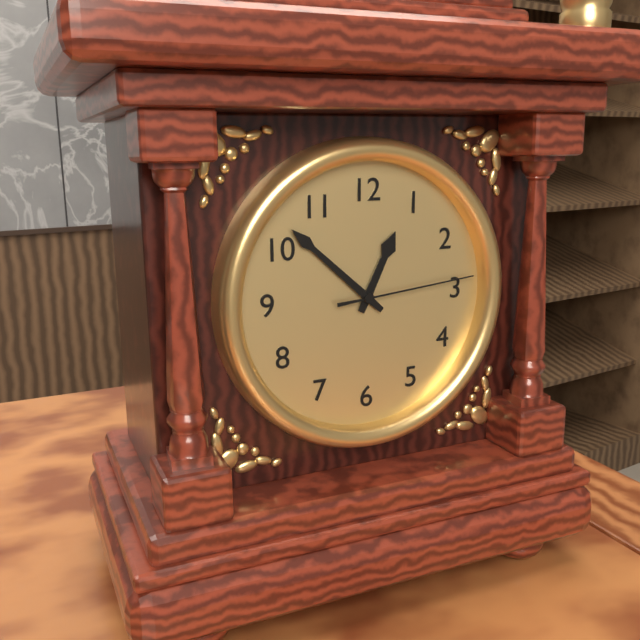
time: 12:52:14
